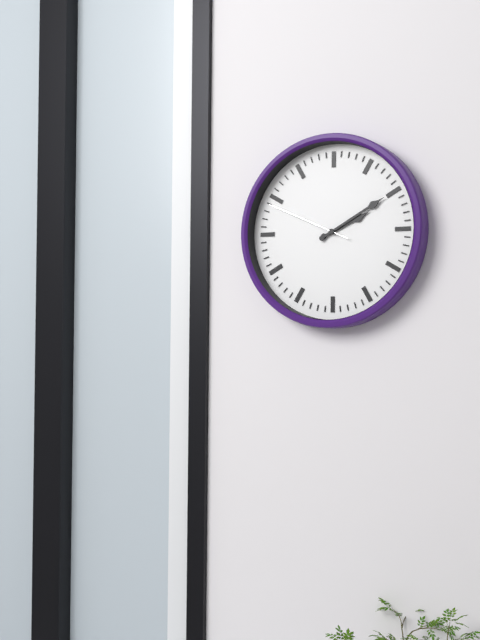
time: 2:10:49
